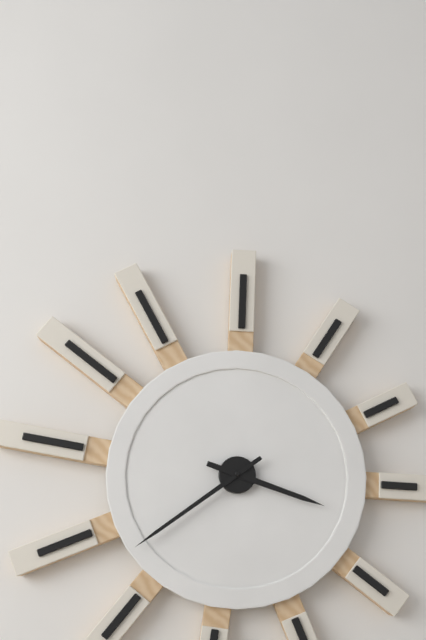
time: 3:39
